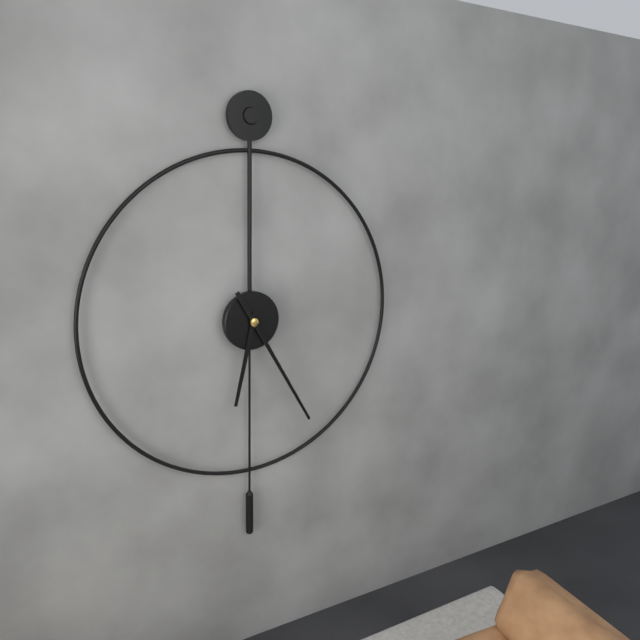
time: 6:25
